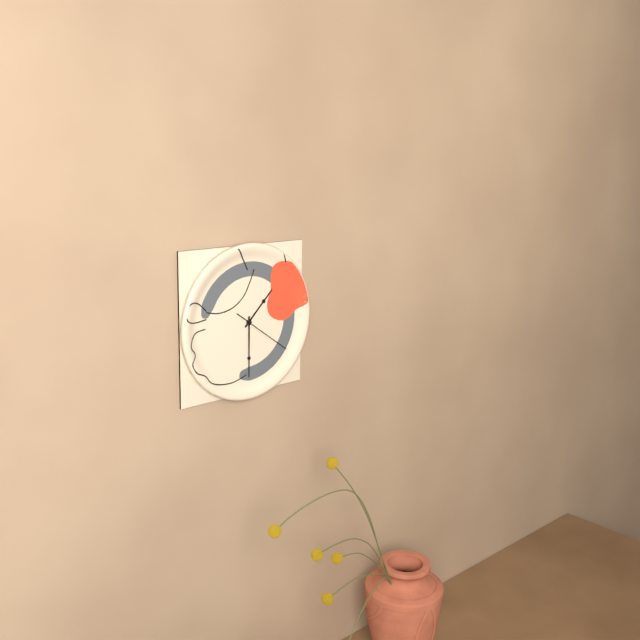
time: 1:30:21
